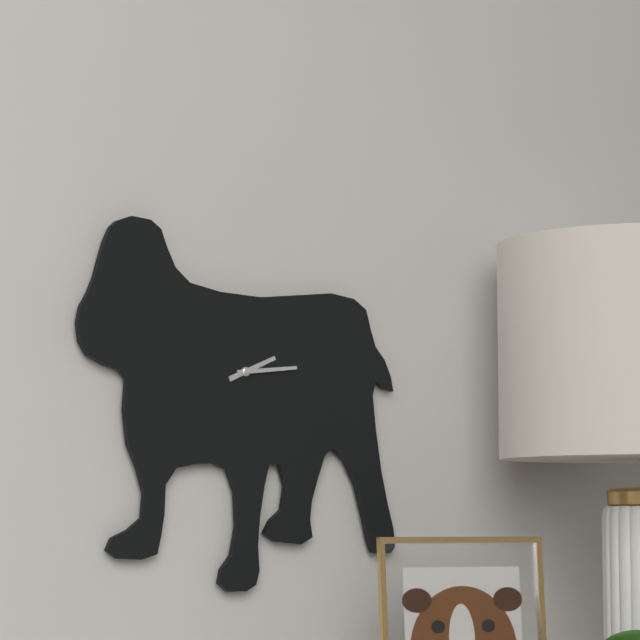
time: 2:14
